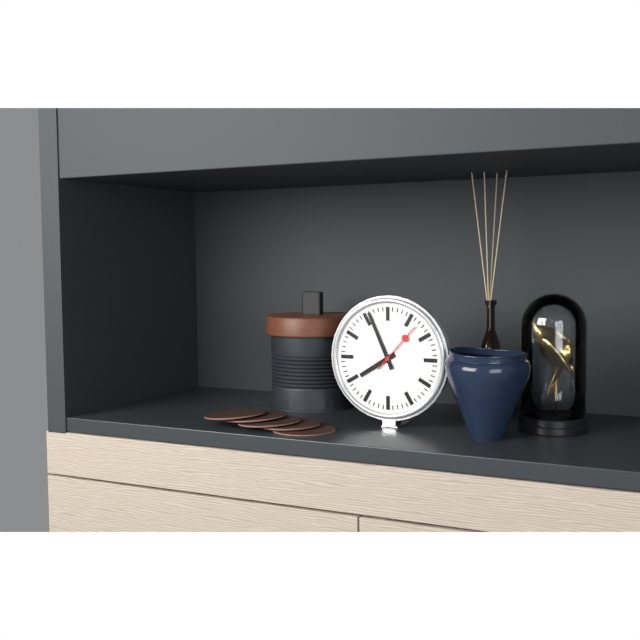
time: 7:56
